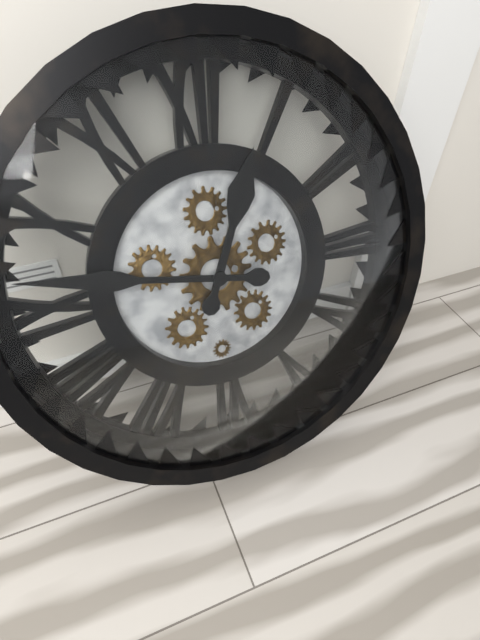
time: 12:47
